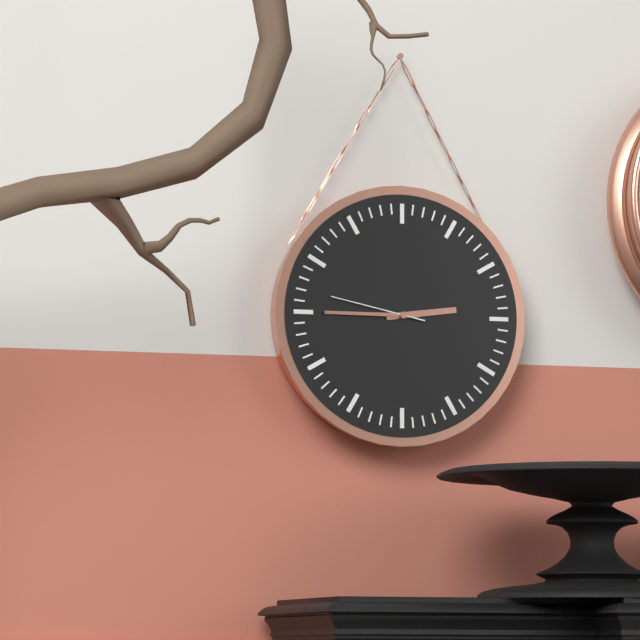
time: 2:45:47
